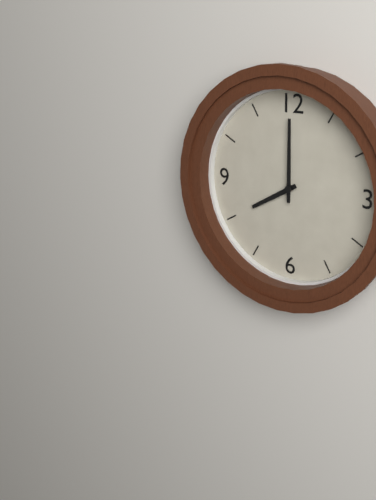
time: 8:00
